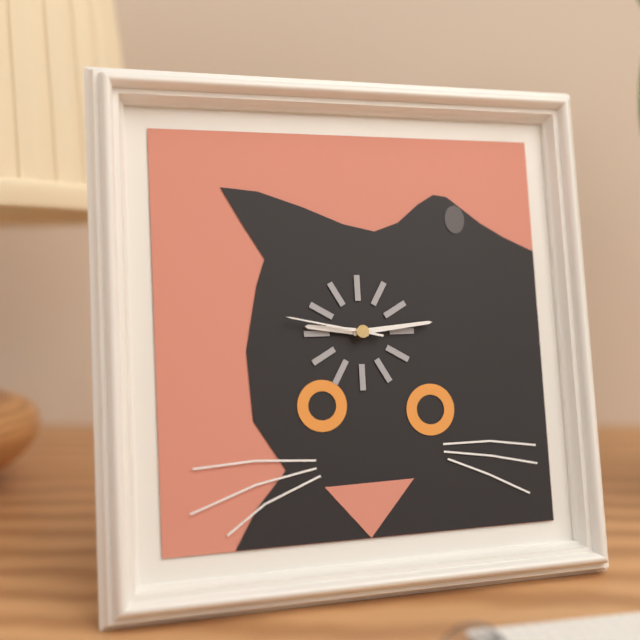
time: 9:14:47
